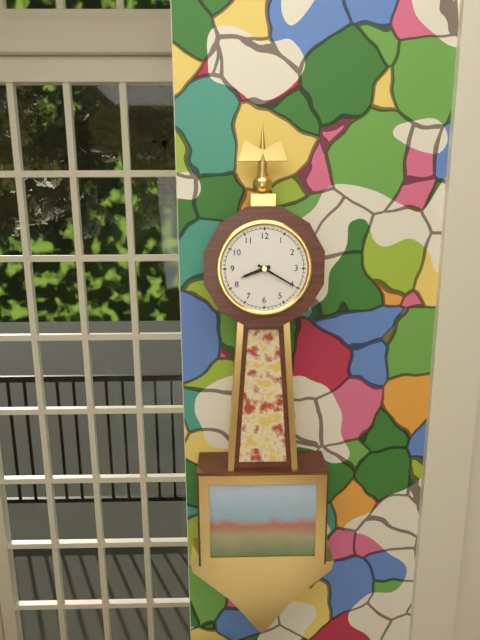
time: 8:20
